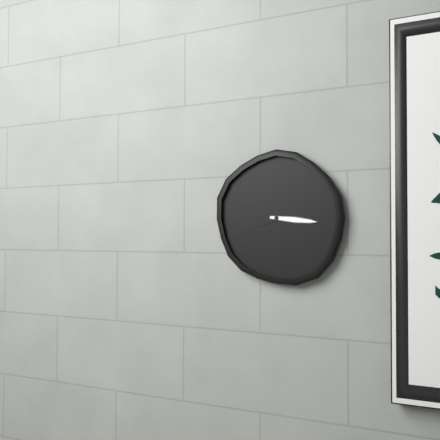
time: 8:16
